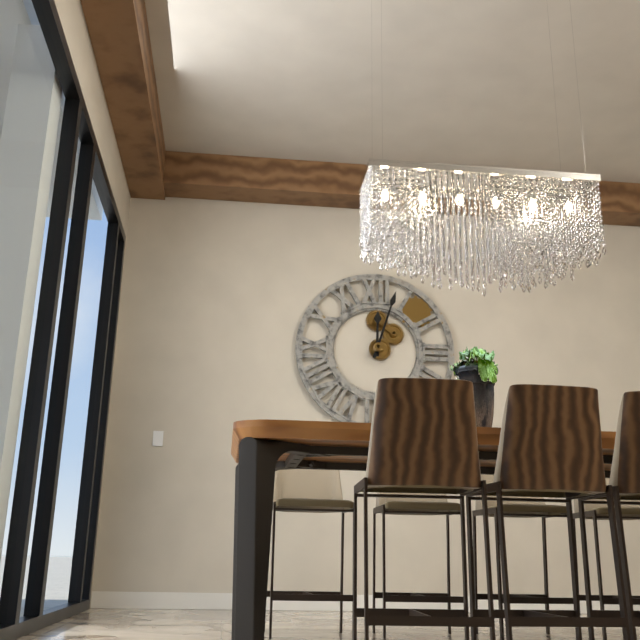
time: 12:03
